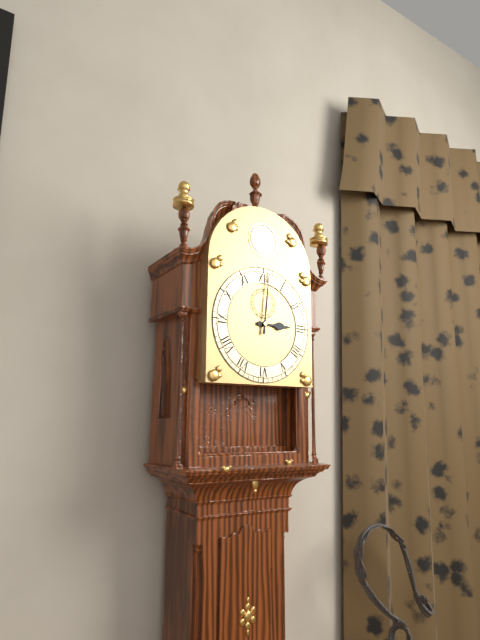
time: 3:01
